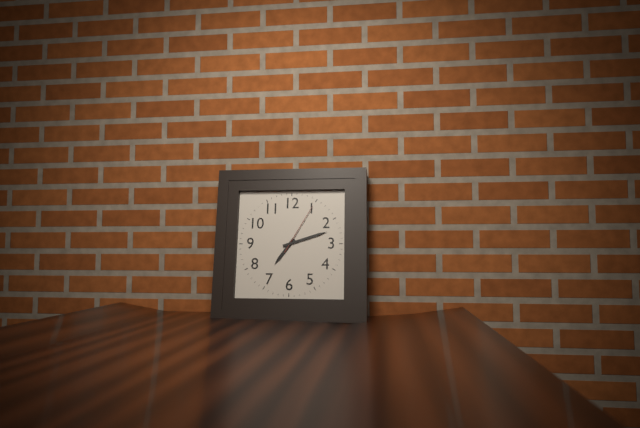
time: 7:12:05
